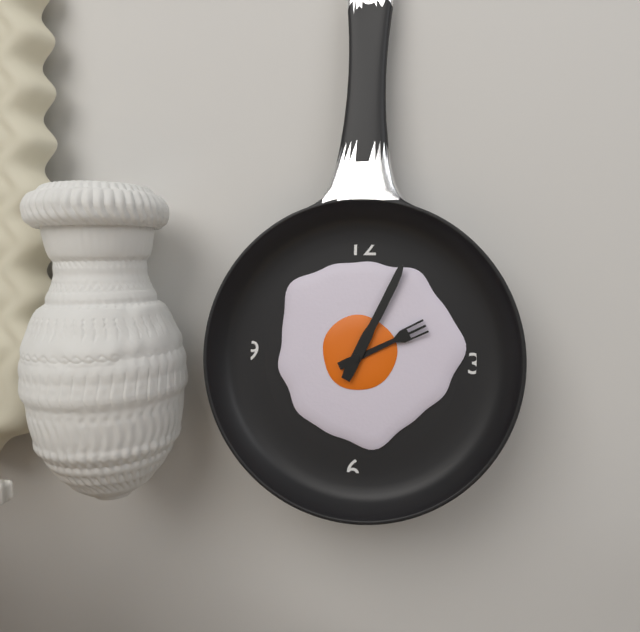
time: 2:04
